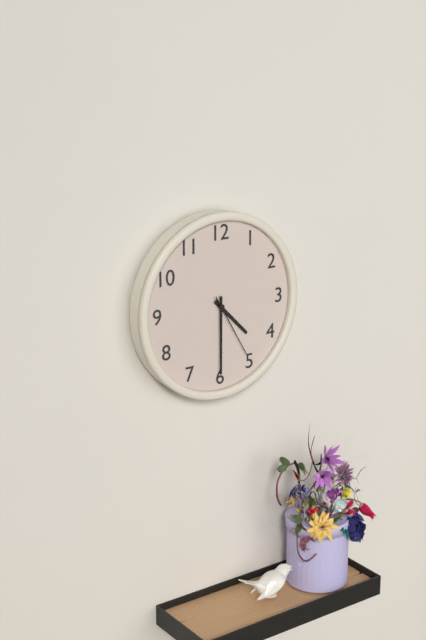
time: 4:30:25
